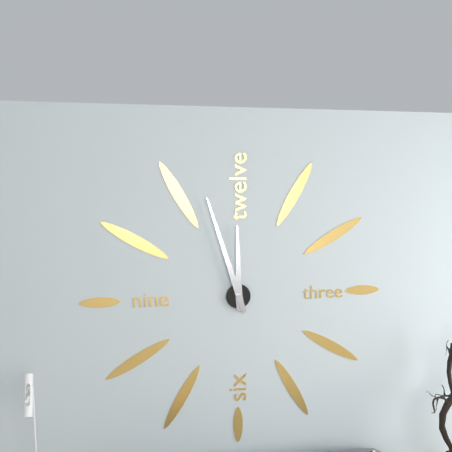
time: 11:57
